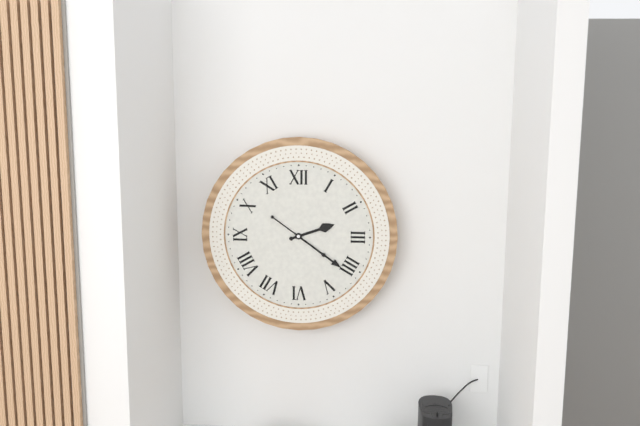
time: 2:21
